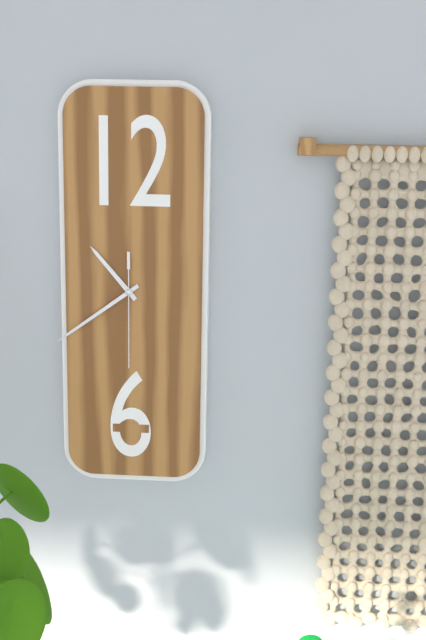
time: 10:39:30
